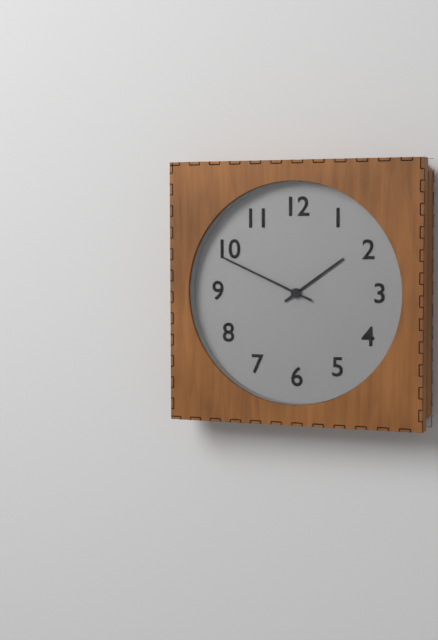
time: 1:49
